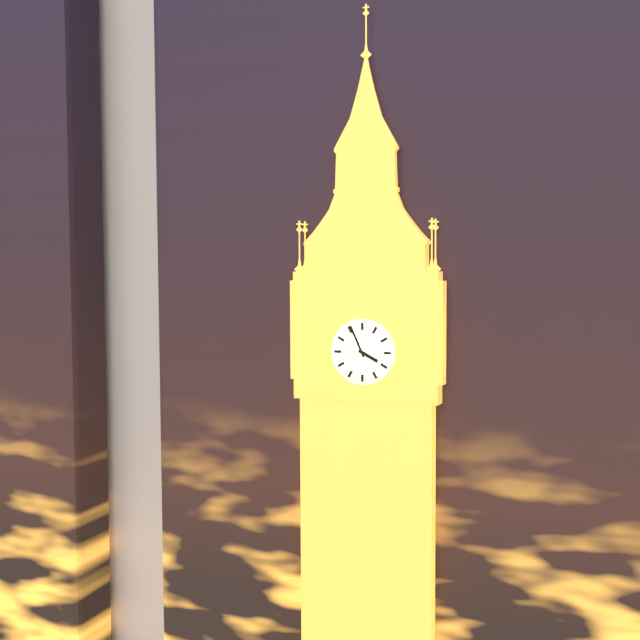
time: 3:56
